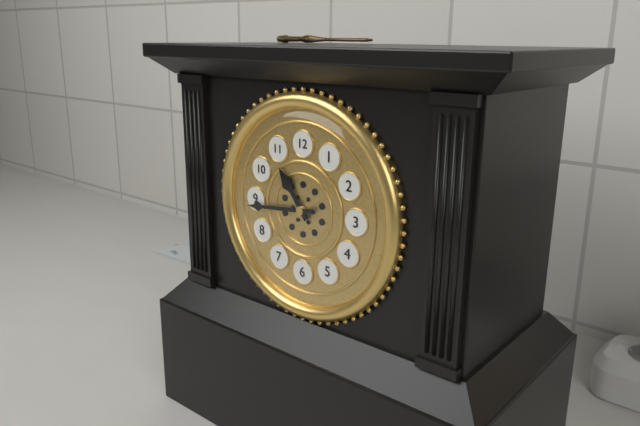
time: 10:44
